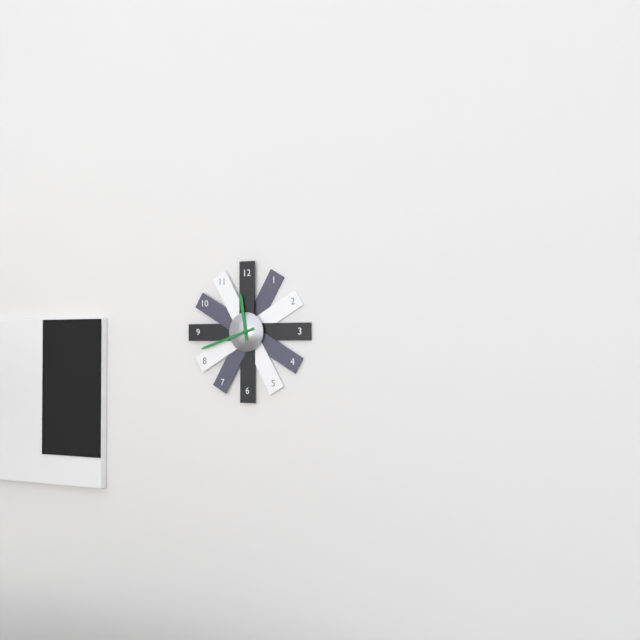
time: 11:42
